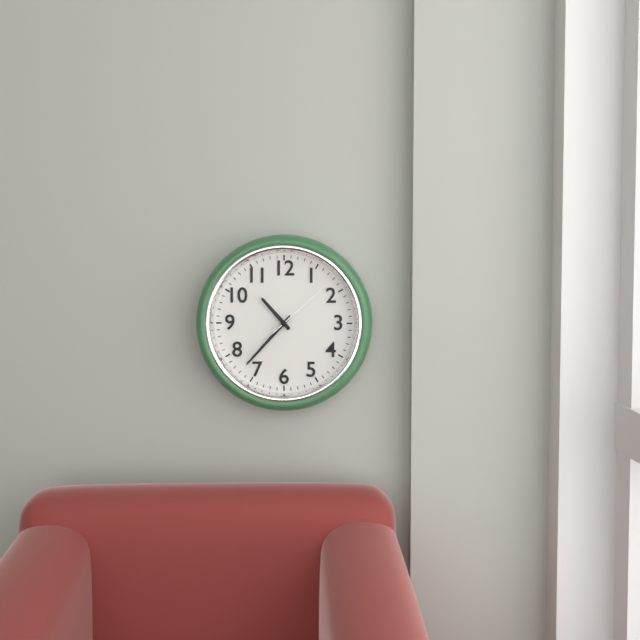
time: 10:37:08
